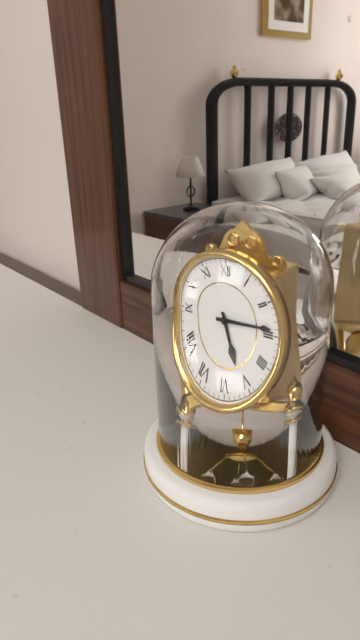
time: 5:14
